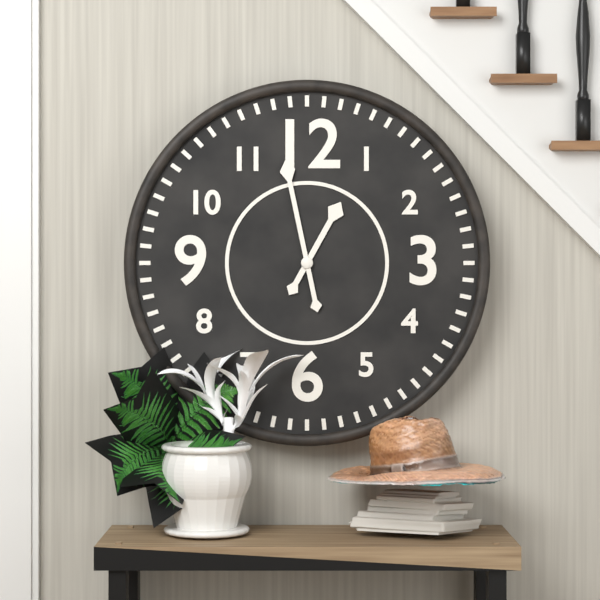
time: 12:58
